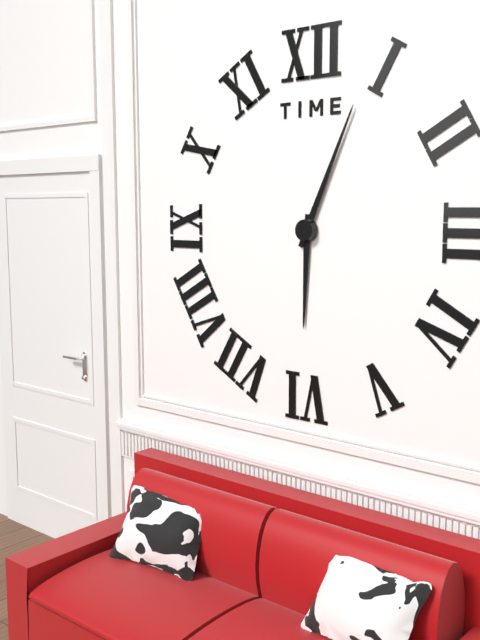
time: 6:04
